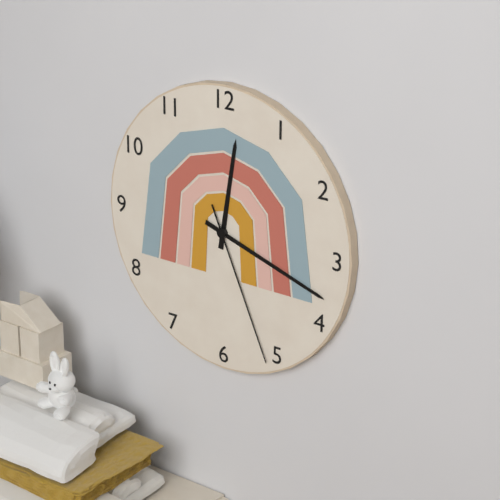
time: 12:18:26
